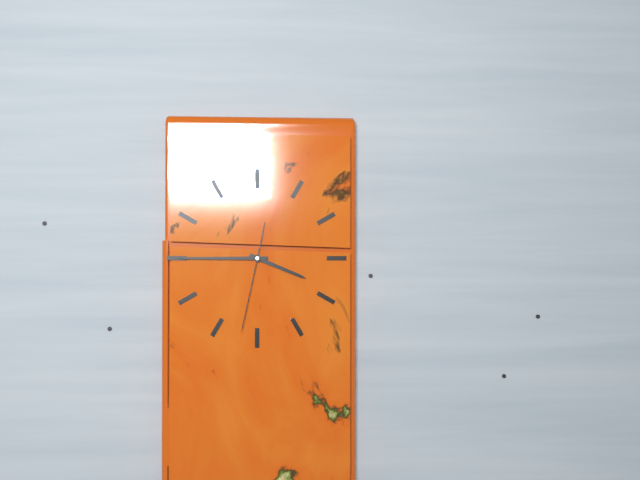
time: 3:45:32
